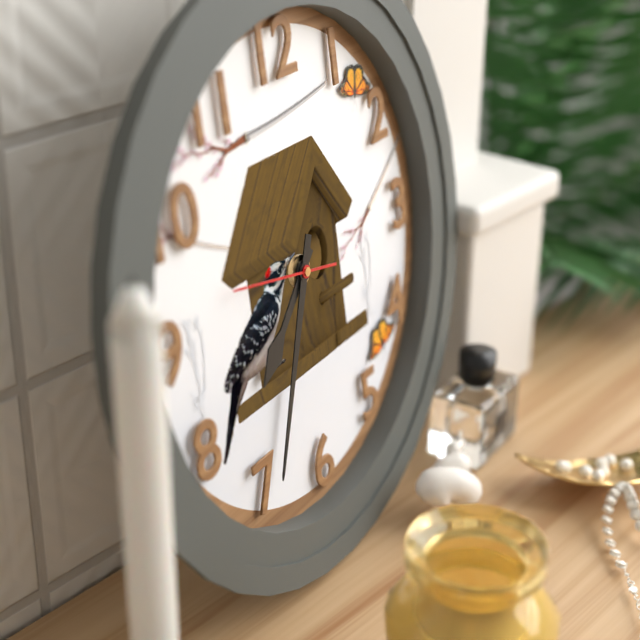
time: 7:34:47
